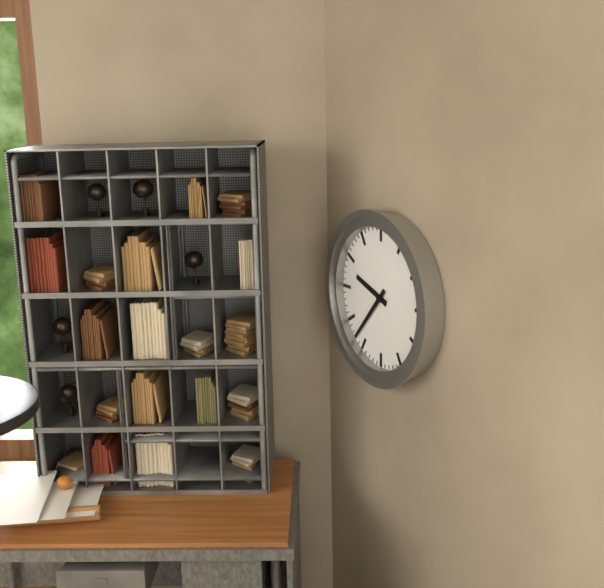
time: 9:37
